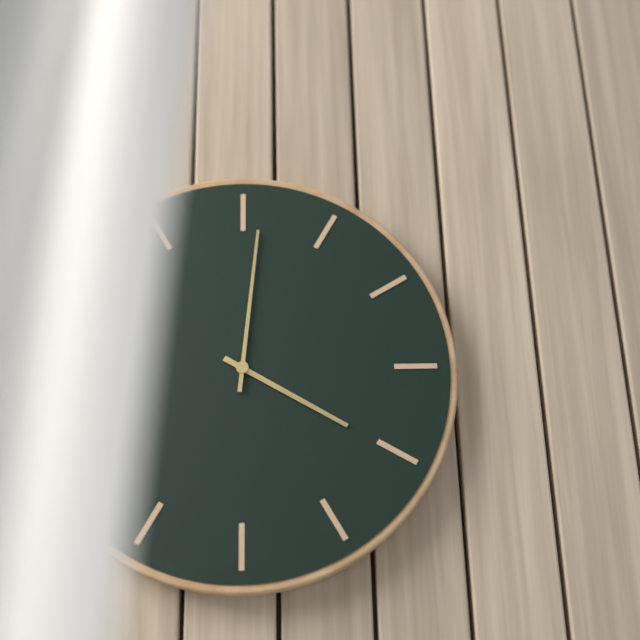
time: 4:01
